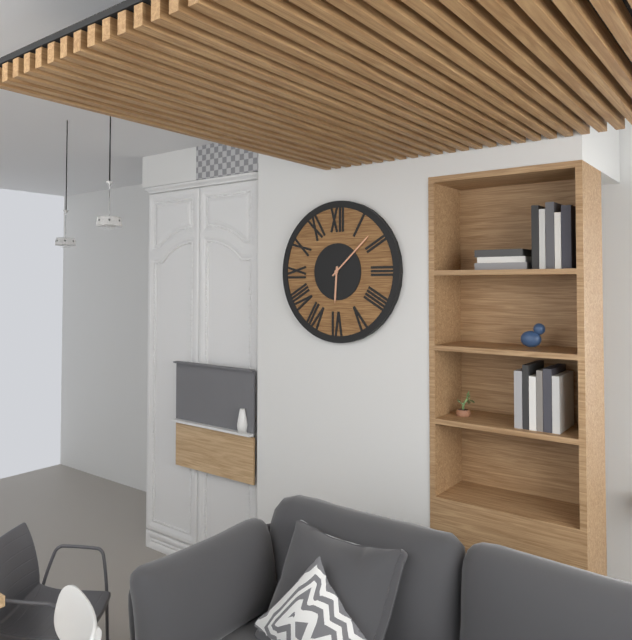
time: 6:08
